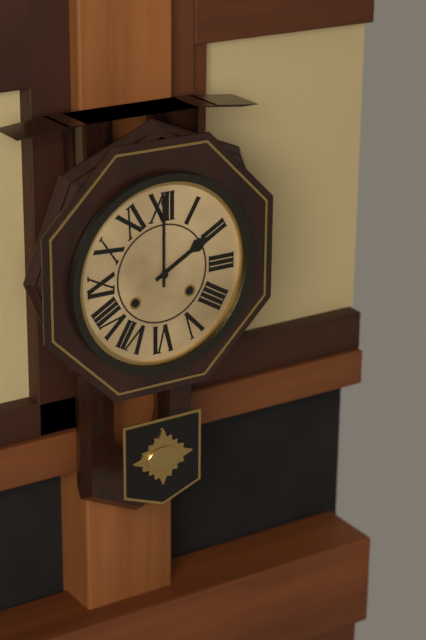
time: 2:00
